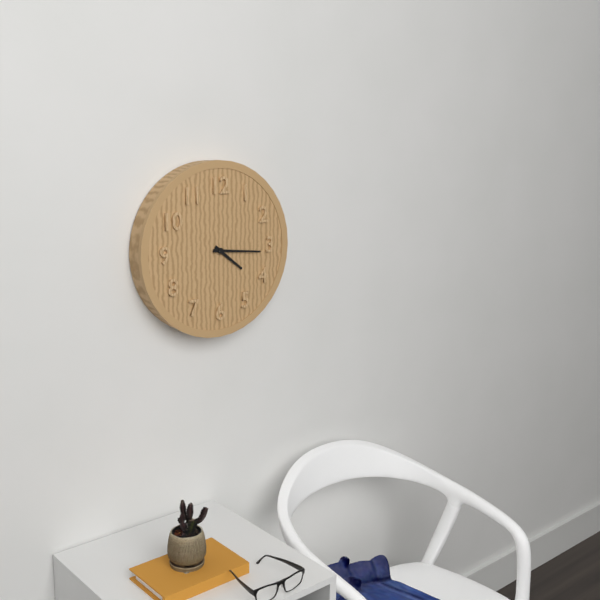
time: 4:16
